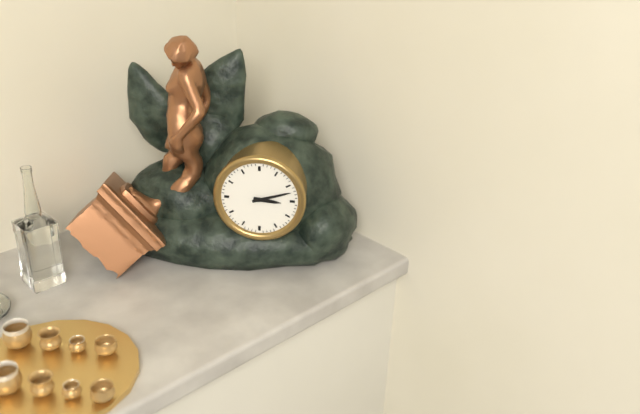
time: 3:12
